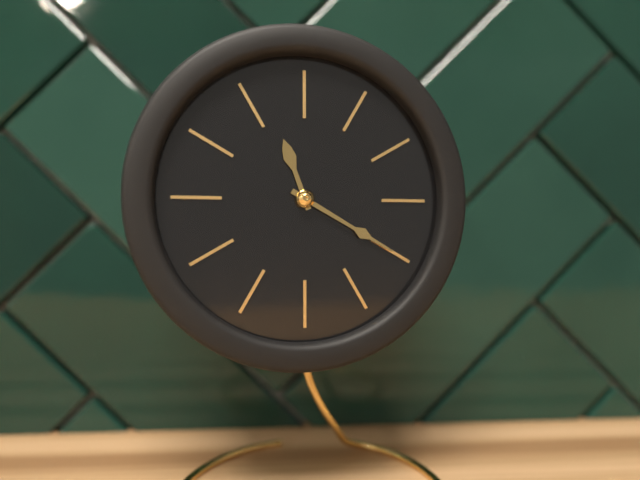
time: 11:20
